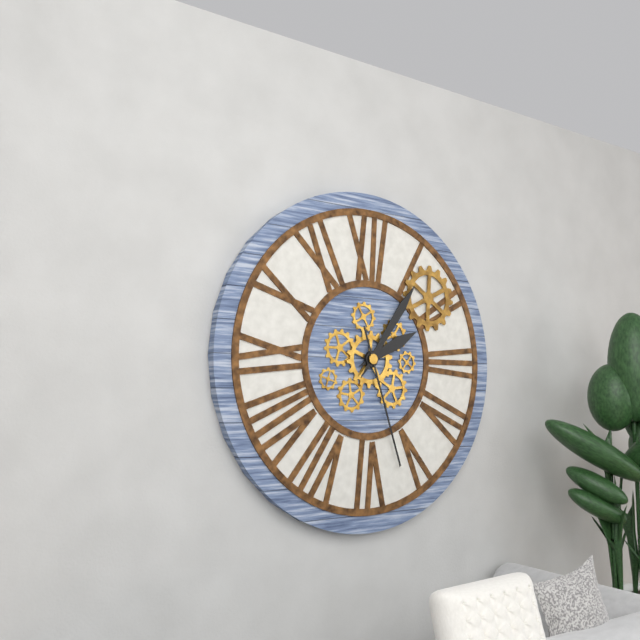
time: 2:06:27
